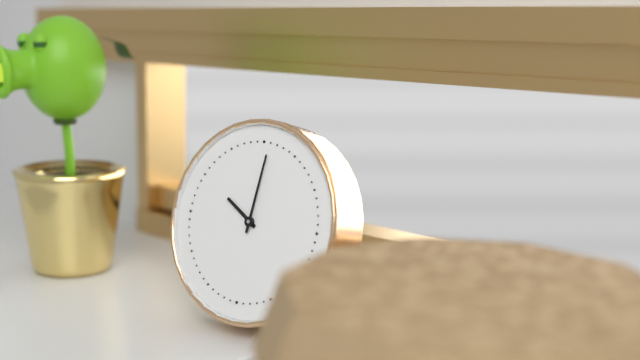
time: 10:01
